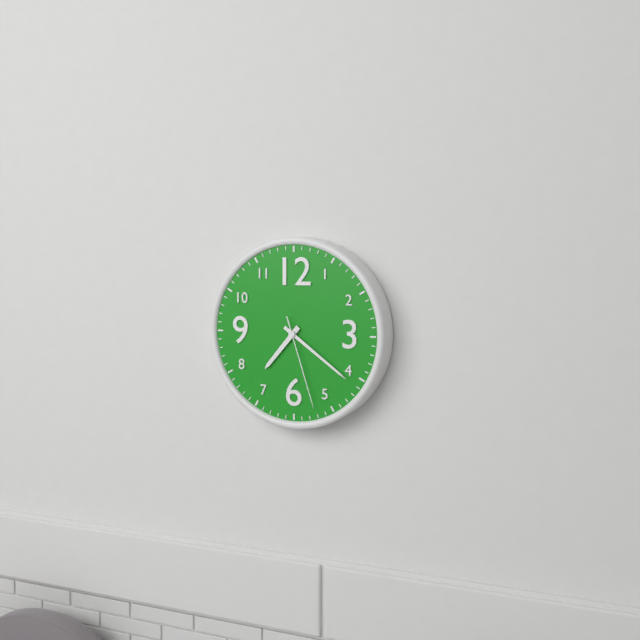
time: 7:21:27
